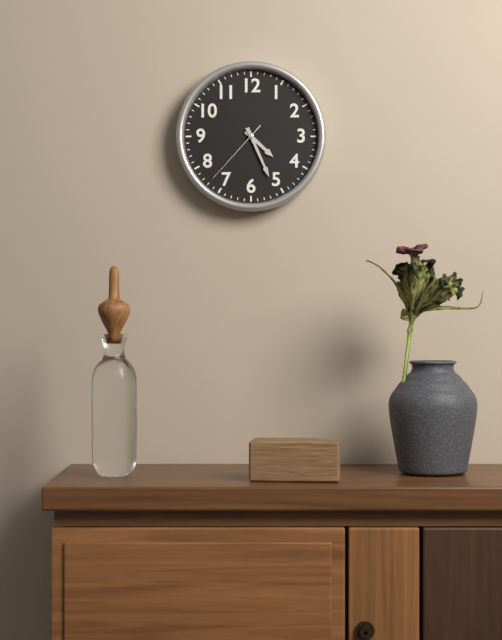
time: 4:26:37
